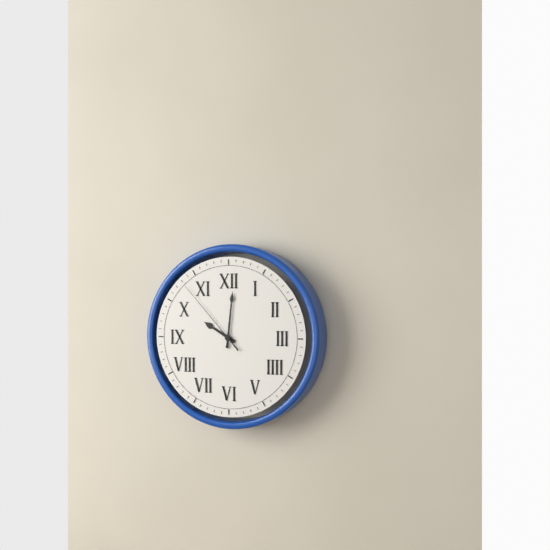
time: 10:01:53
